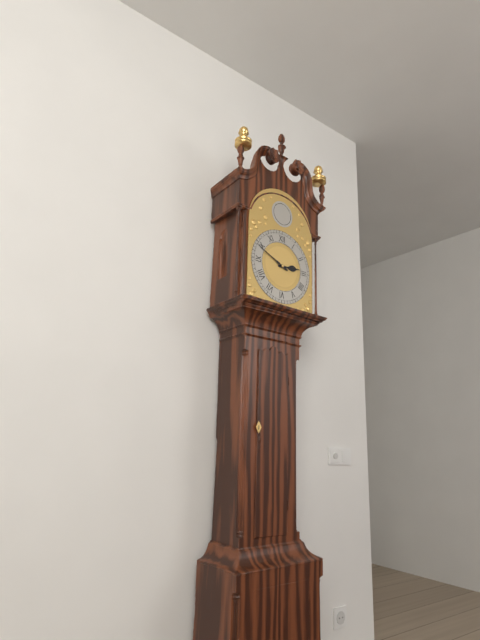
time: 2:49
